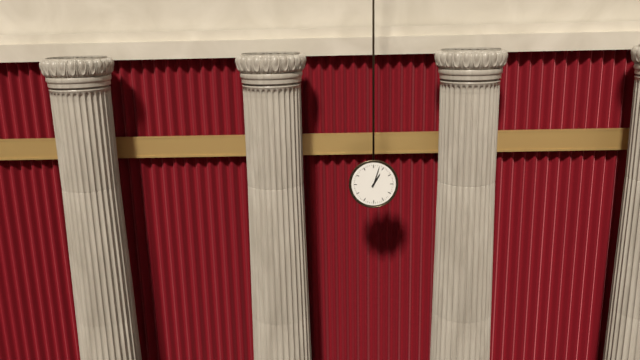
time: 1:03
